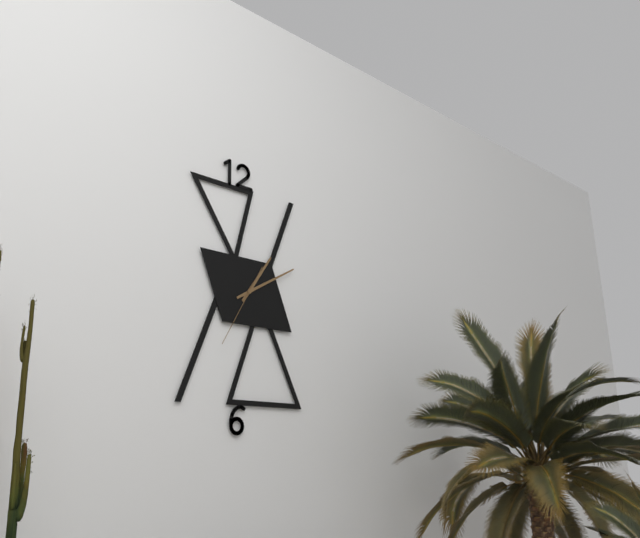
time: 1:10:35
